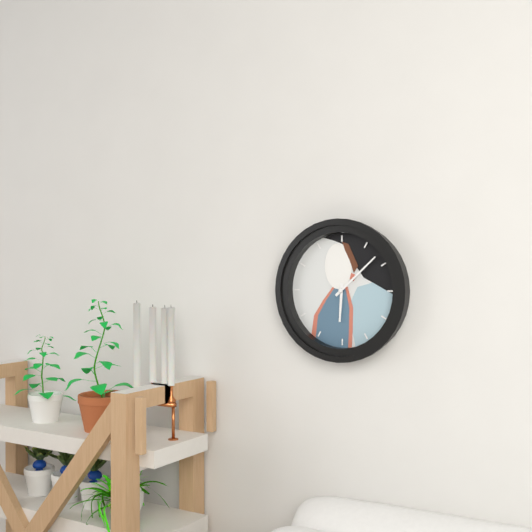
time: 6:08
